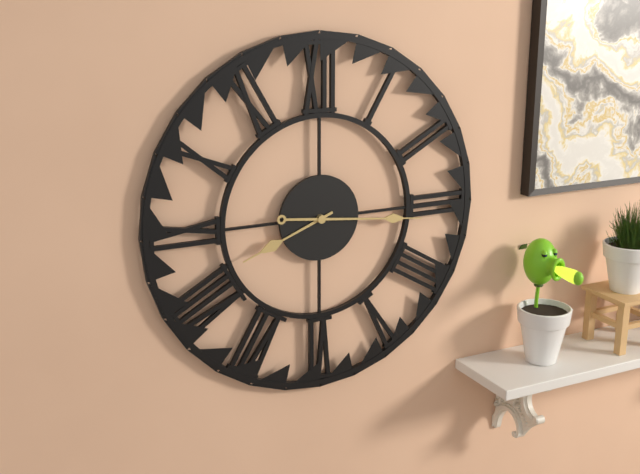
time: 8:16
